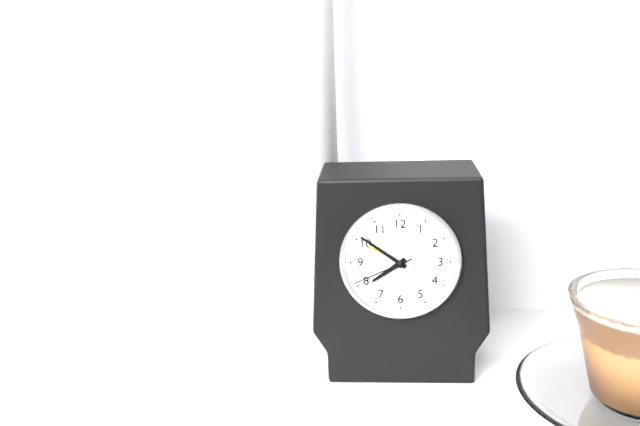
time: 7:51:41
